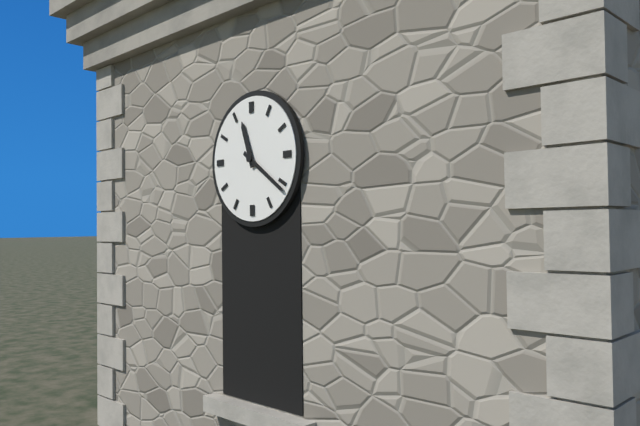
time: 11:21
